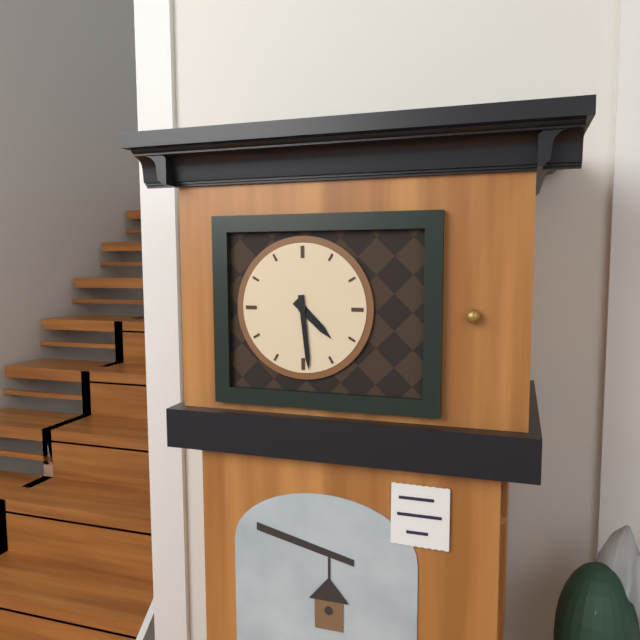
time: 4:29
